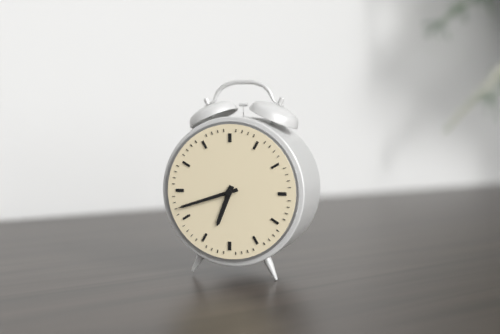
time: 6:42
